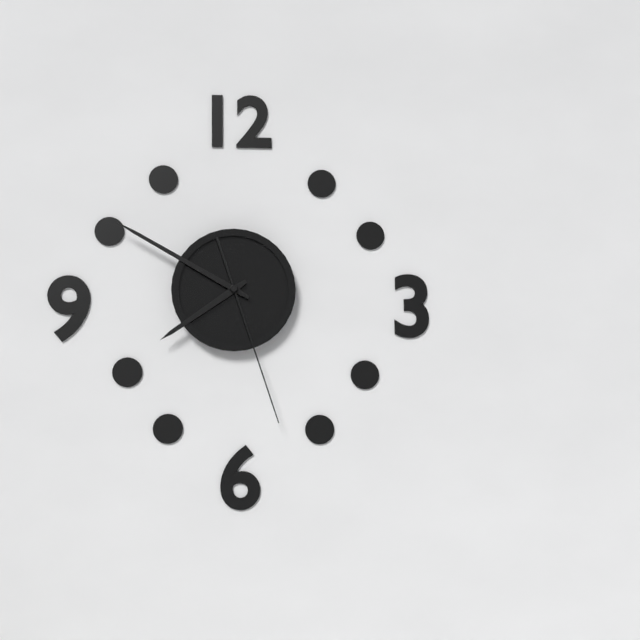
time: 7:50:27
